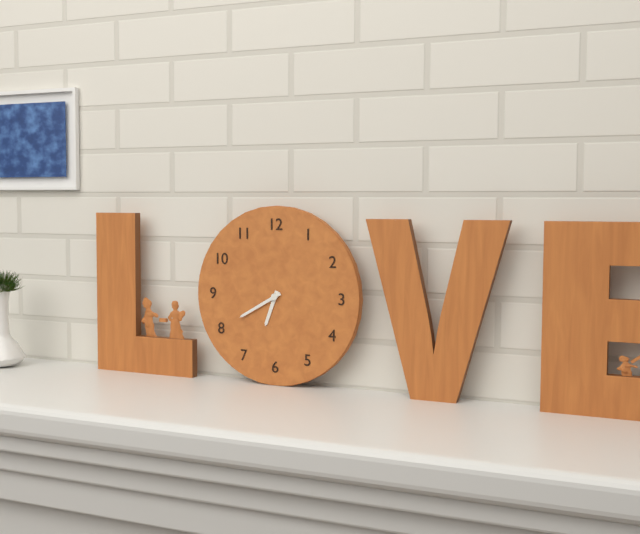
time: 6:40
